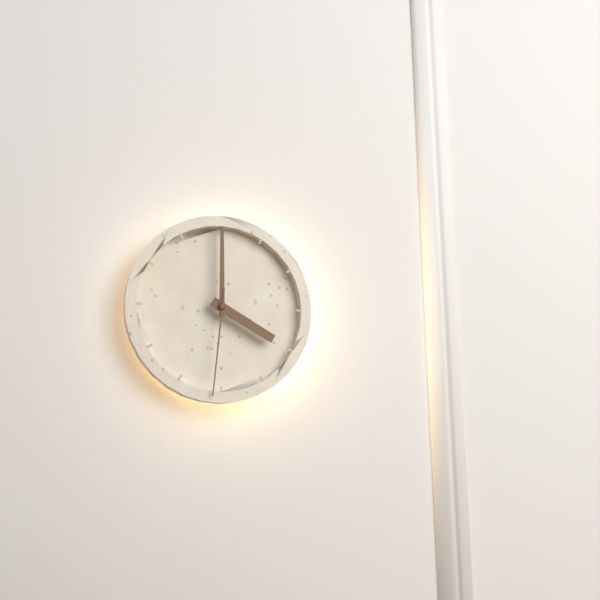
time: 4:00:31
